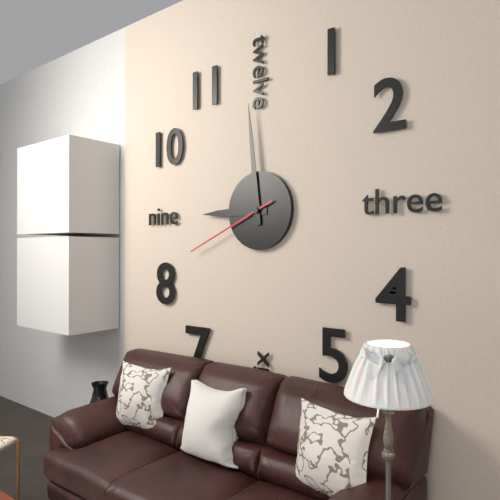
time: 8:59:41
